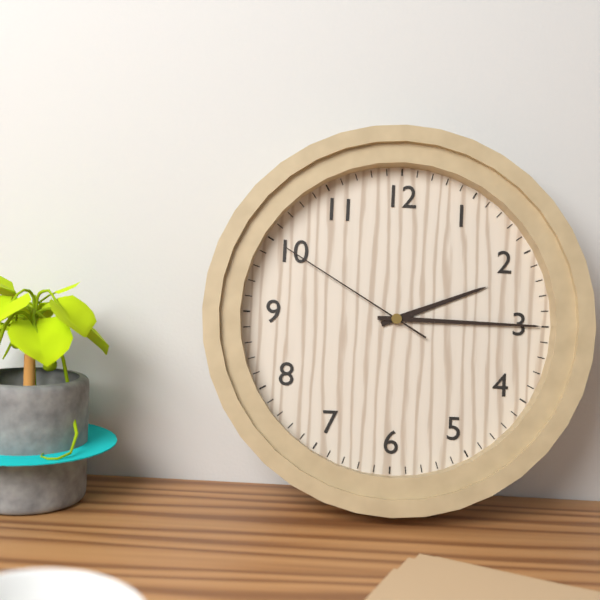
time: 2:15:50
